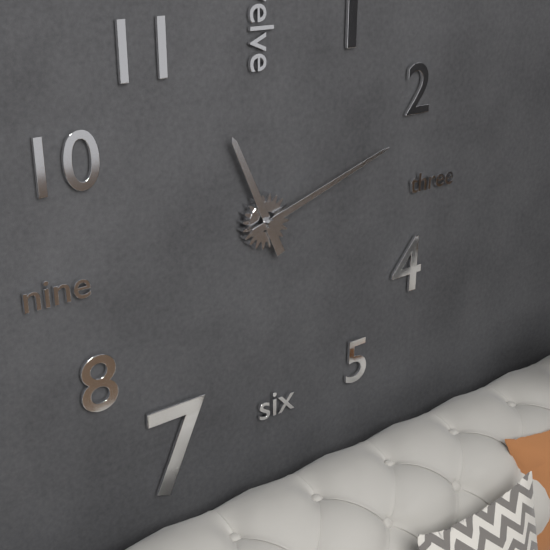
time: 11:12
